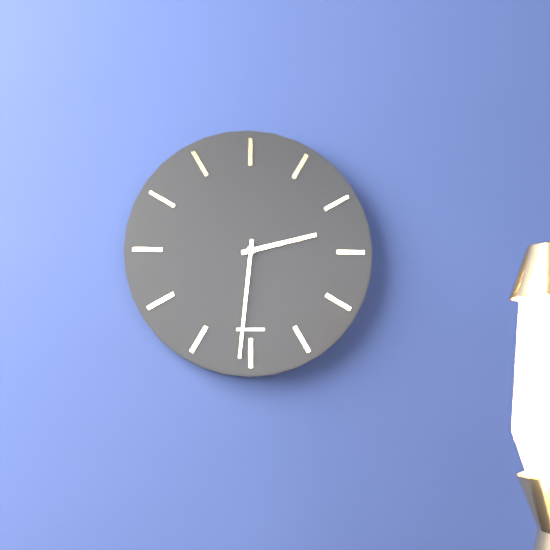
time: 2:31
